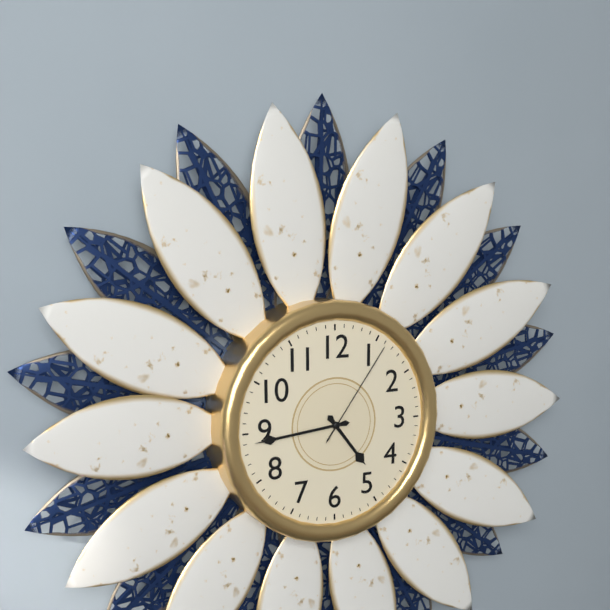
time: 4:44:06
